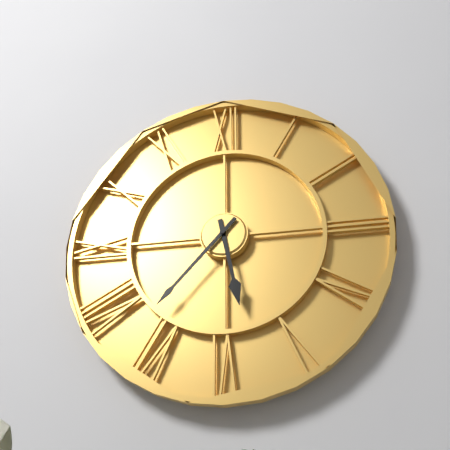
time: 5:37
